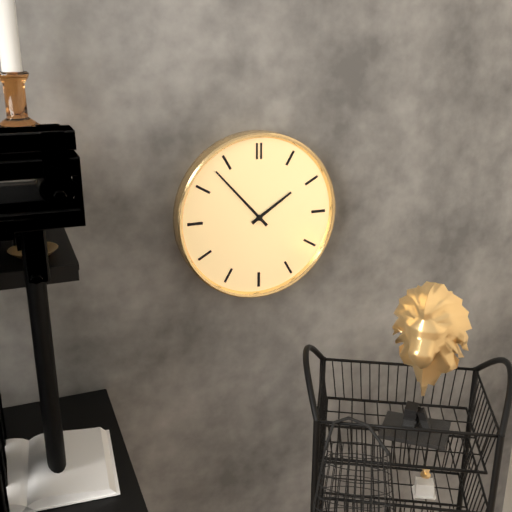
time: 1:53
